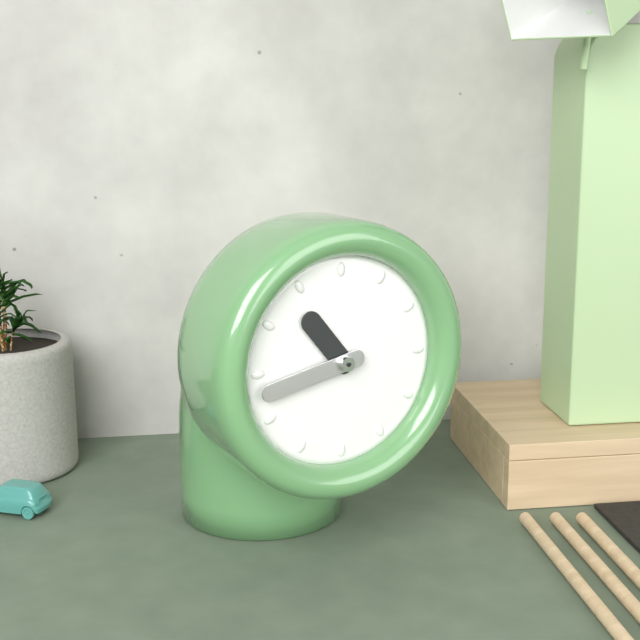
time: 10:43
